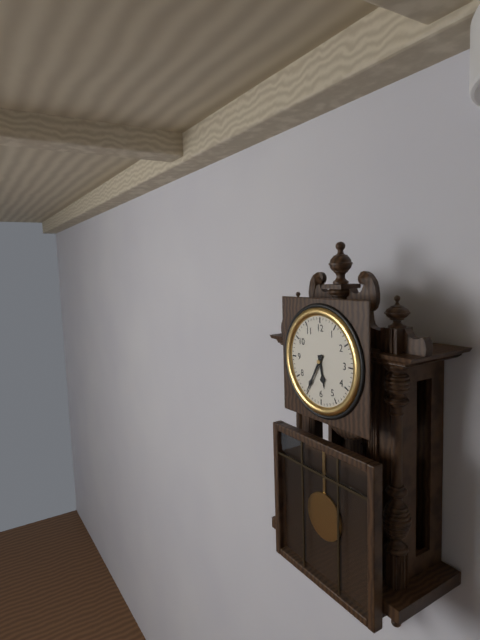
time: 5:35
